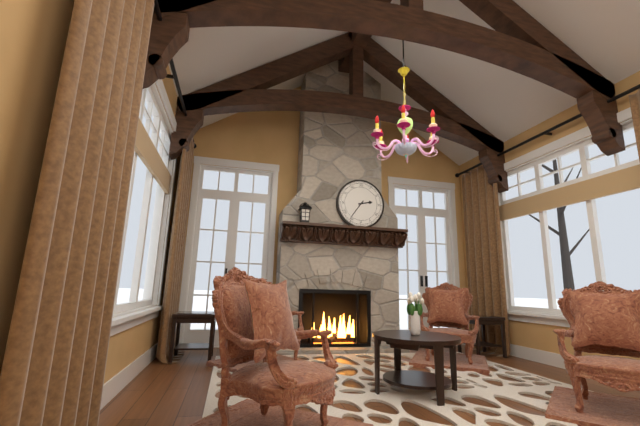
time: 2:36
